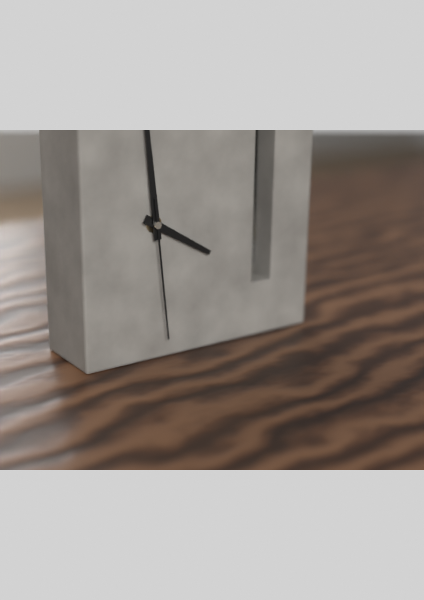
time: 3:59:29
